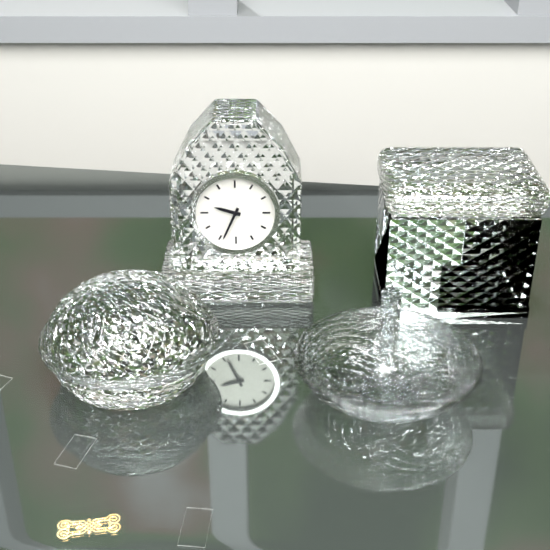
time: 9:34
